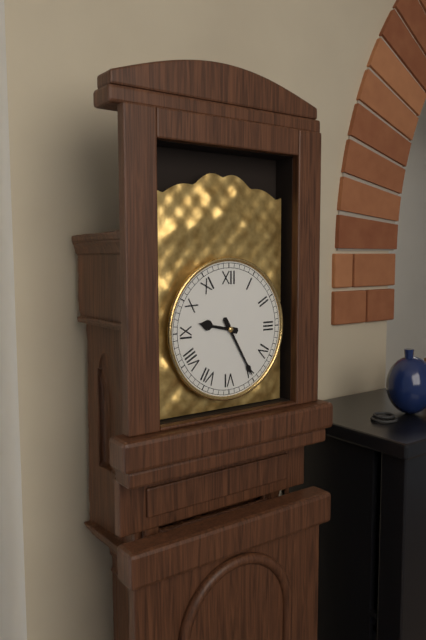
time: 9:25
